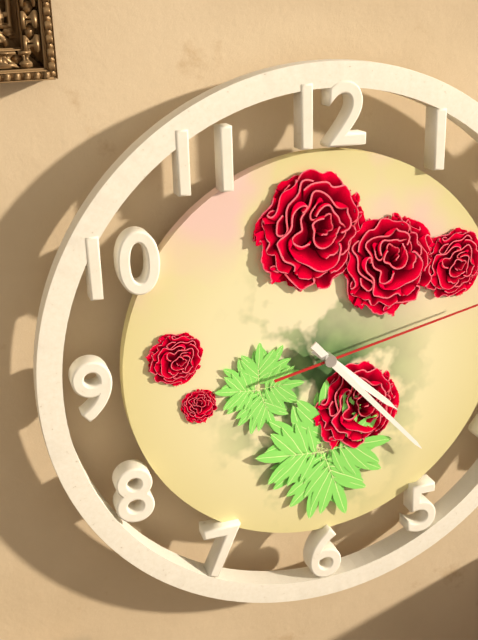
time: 4:23
